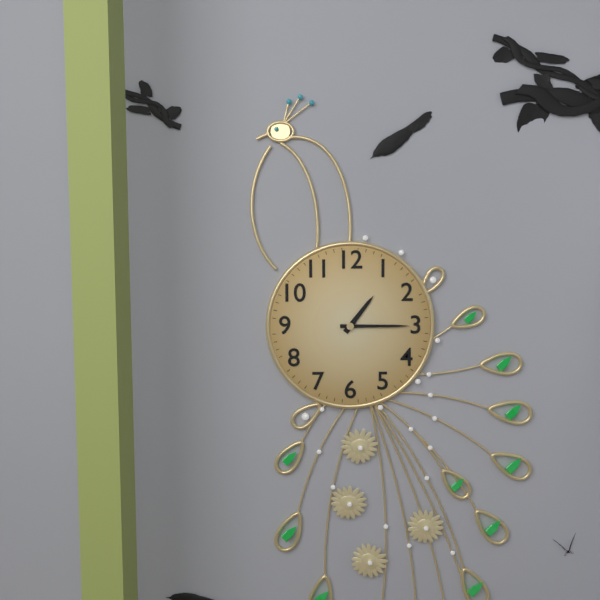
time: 1:15
